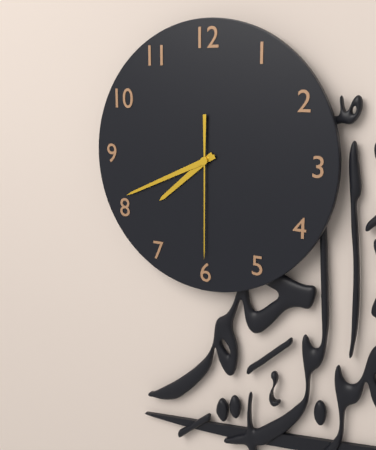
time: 7:41:30
